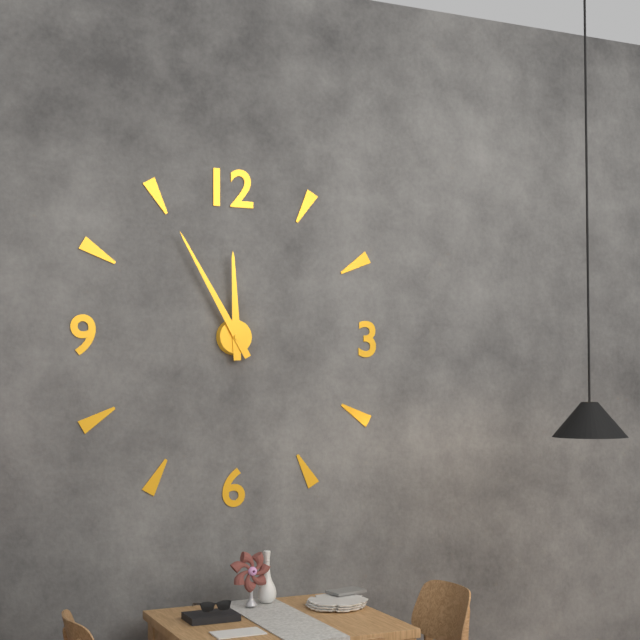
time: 11:55
